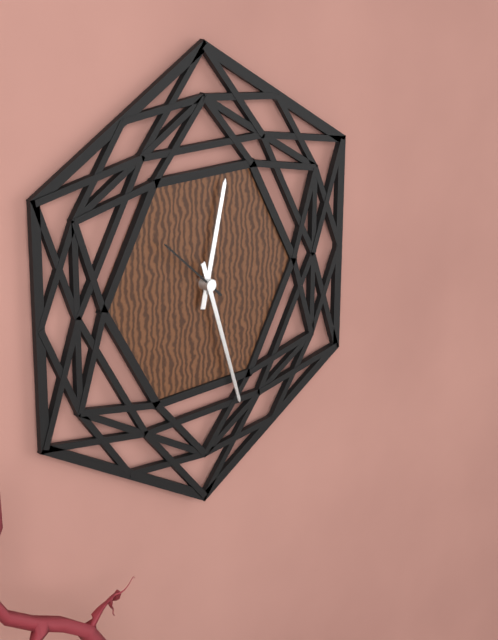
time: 12:27:52
